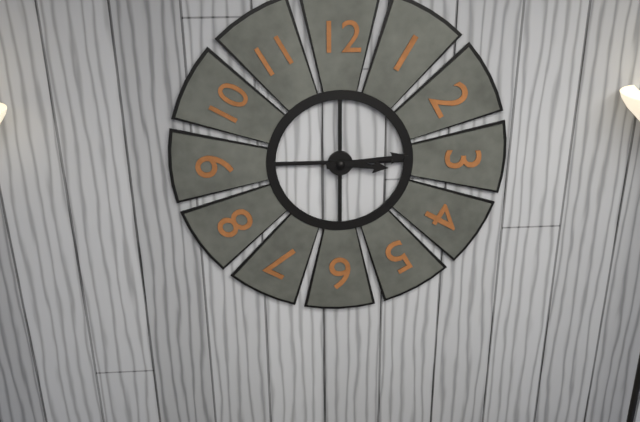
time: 3:14
